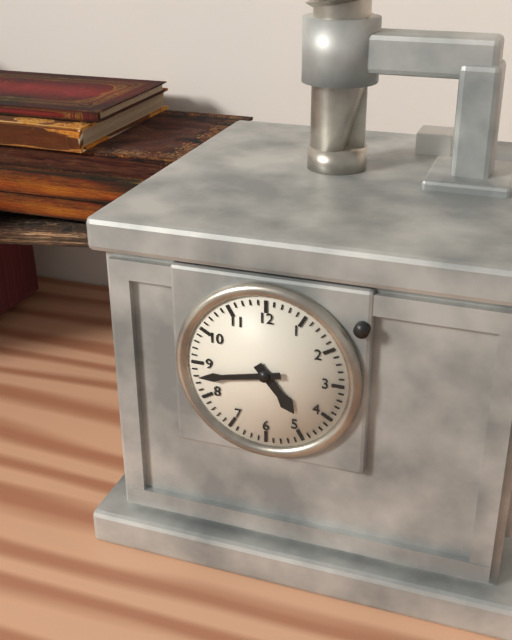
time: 4:43
